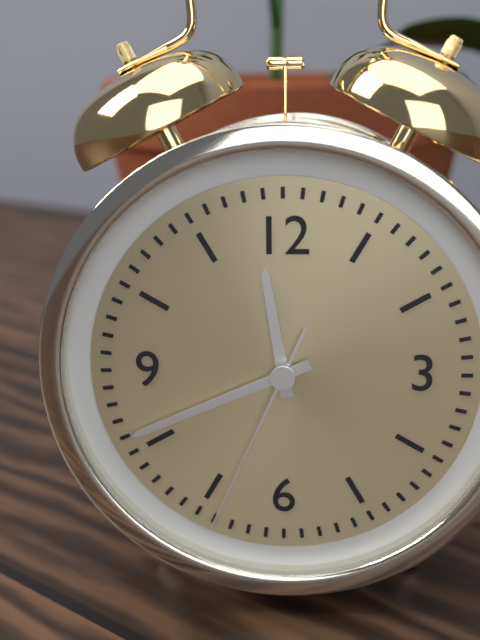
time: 11:41:34
